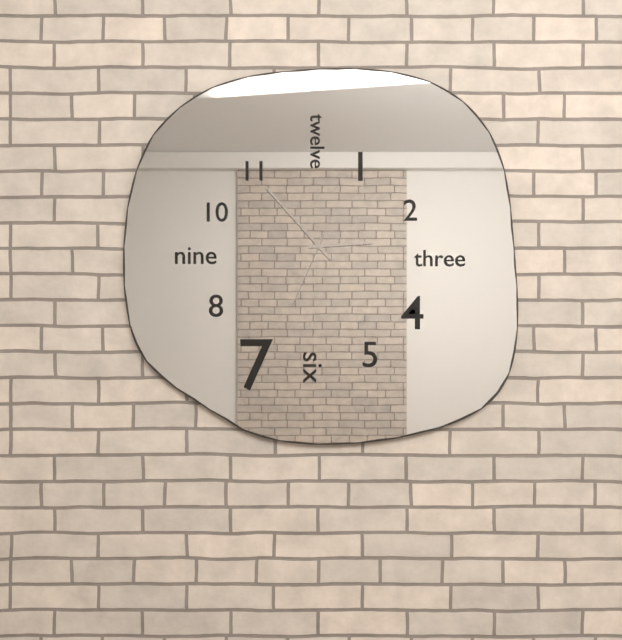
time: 2:53:34
